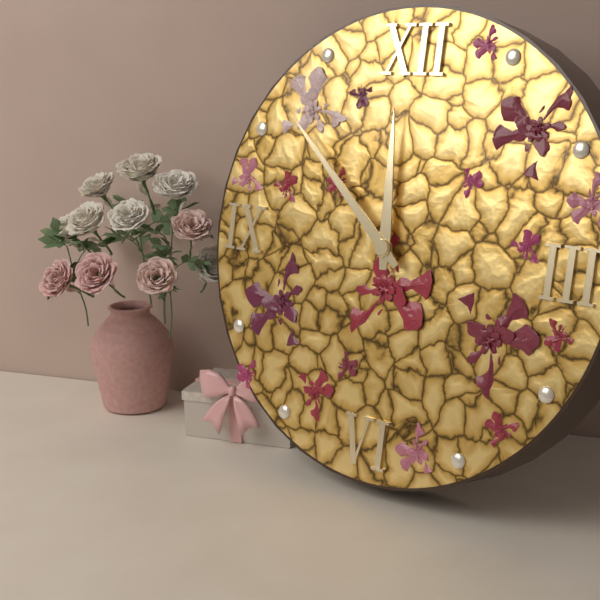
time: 11:52
